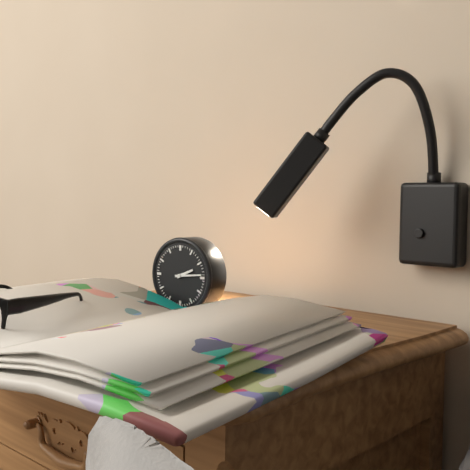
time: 2:14
